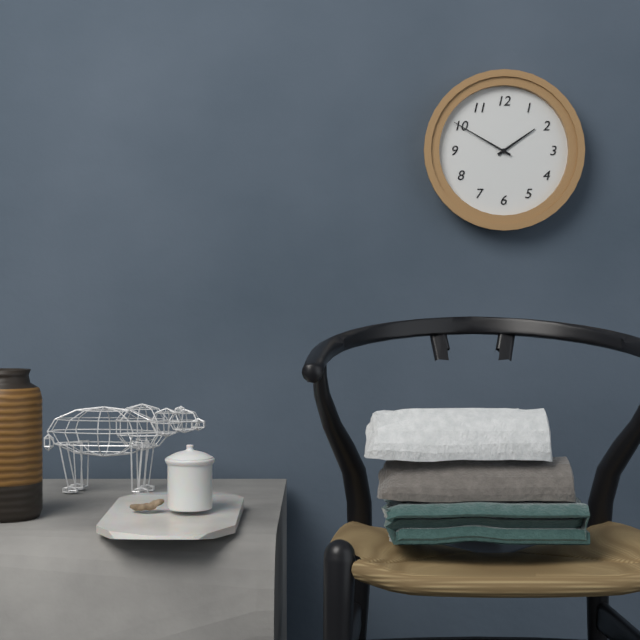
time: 1:50
